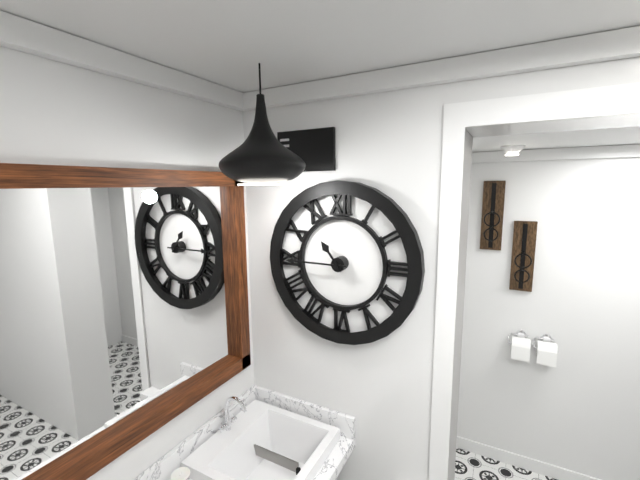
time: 10:45
